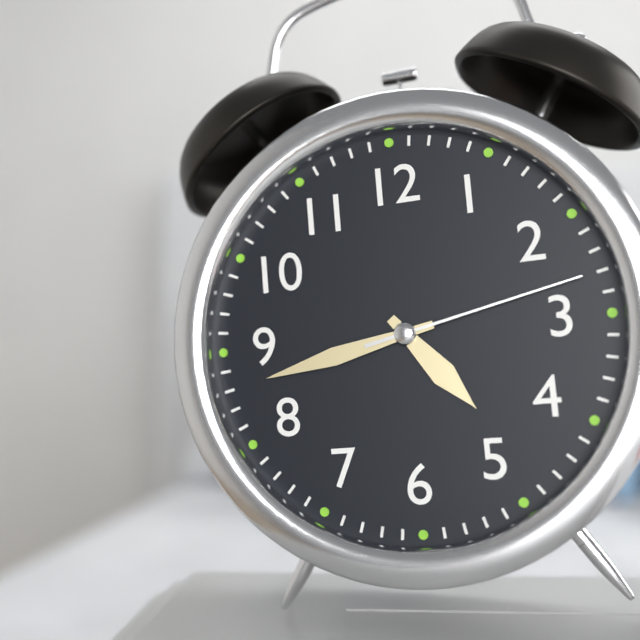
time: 4:43:13
